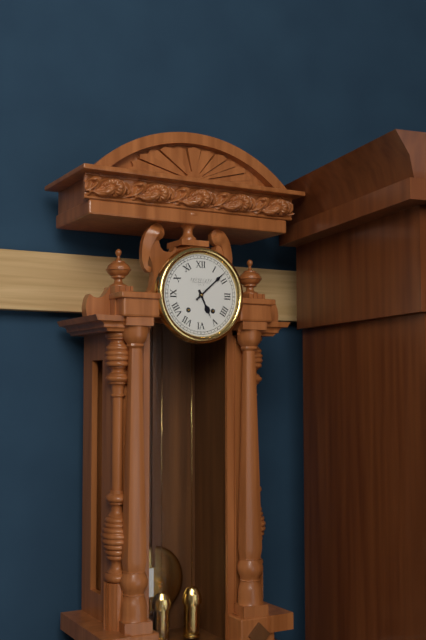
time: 5:08
